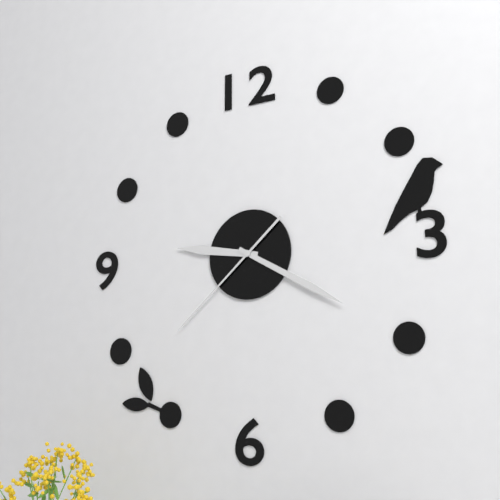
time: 9:20:38
